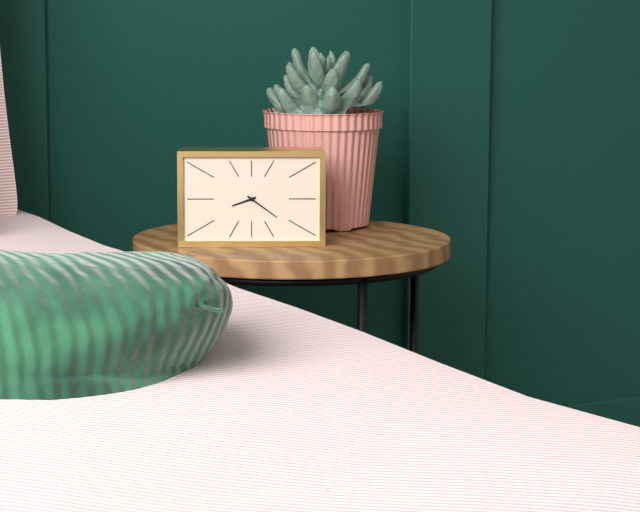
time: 8:21
